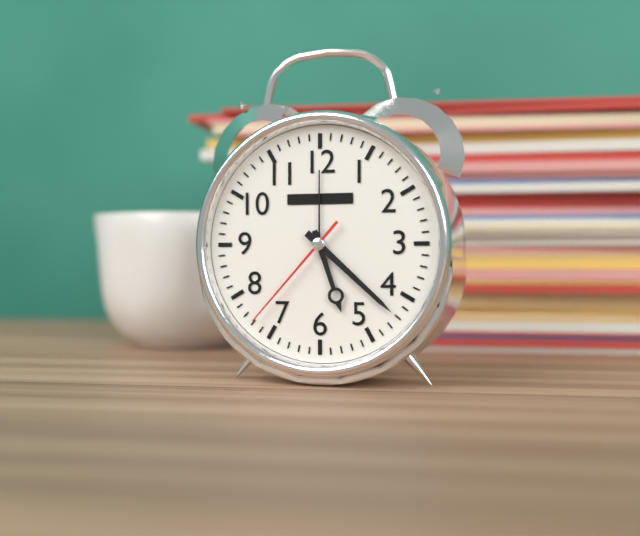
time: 5:22:37
